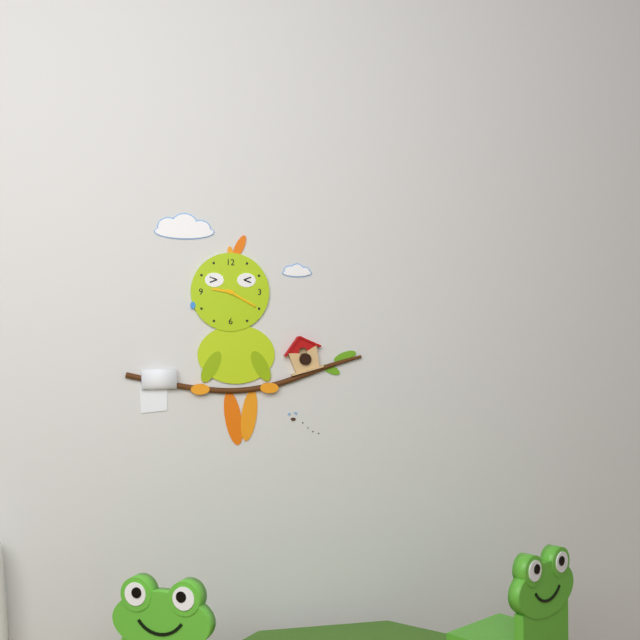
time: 9:20
